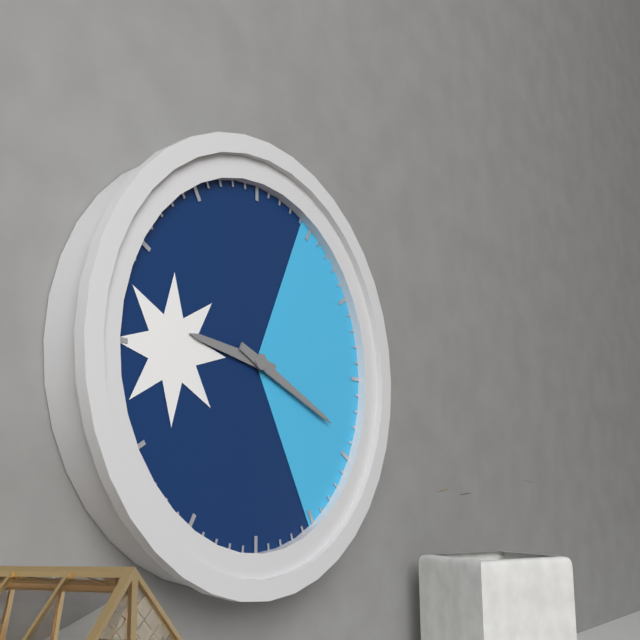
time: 9:19
